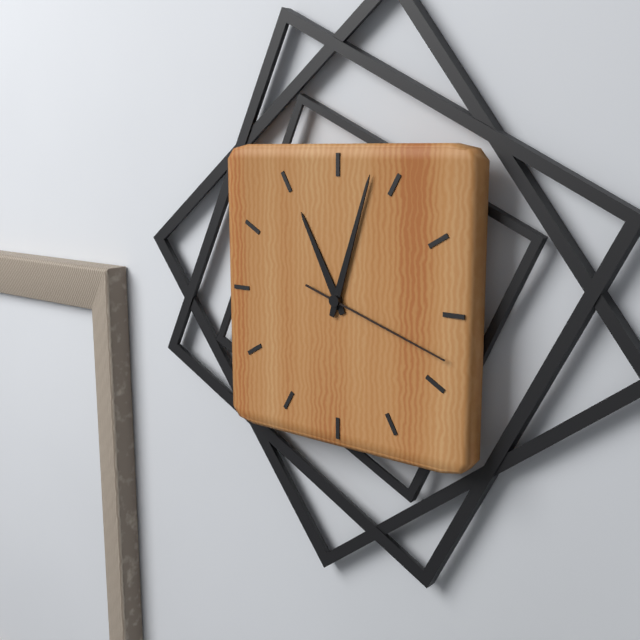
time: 11:03:18
